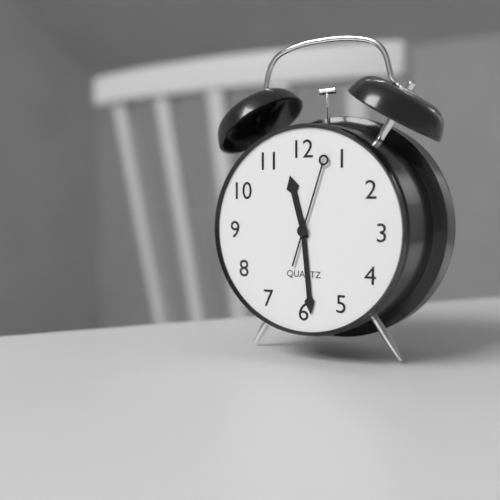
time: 11:29:03
